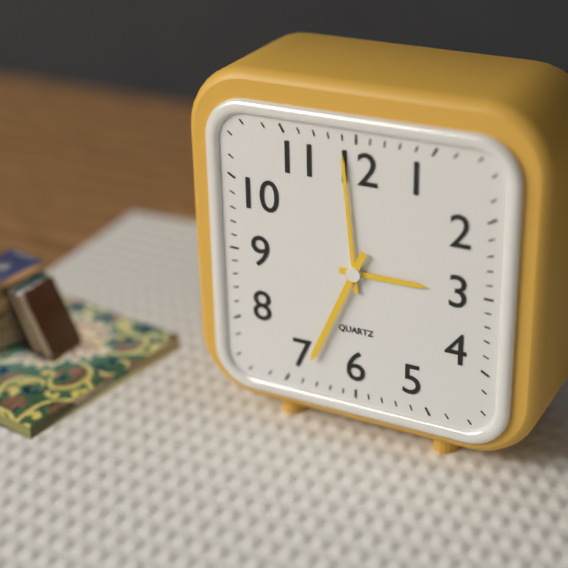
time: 2:59:34
